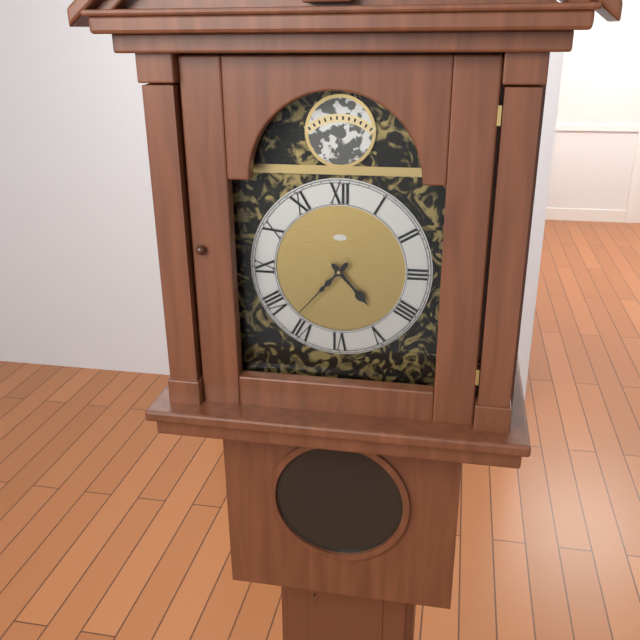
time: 4:37
